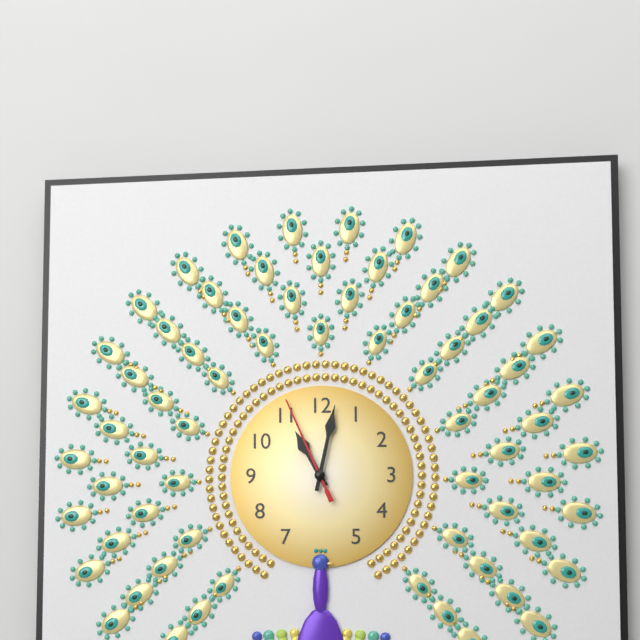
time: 11:02:56
